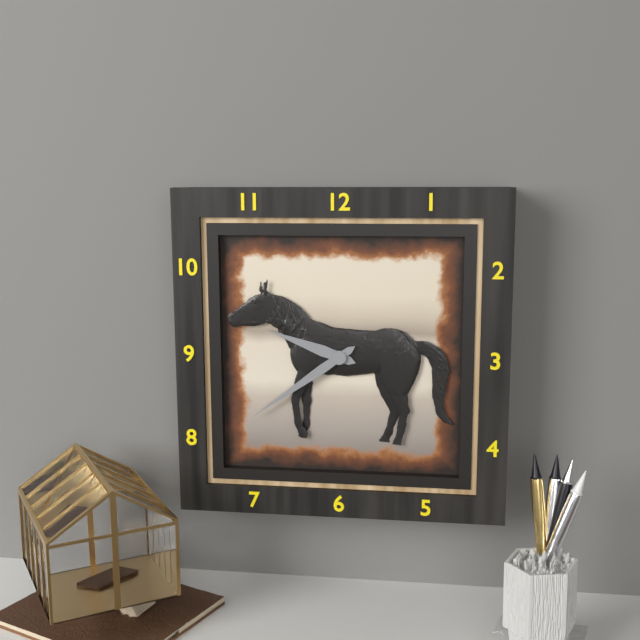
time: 9:39
